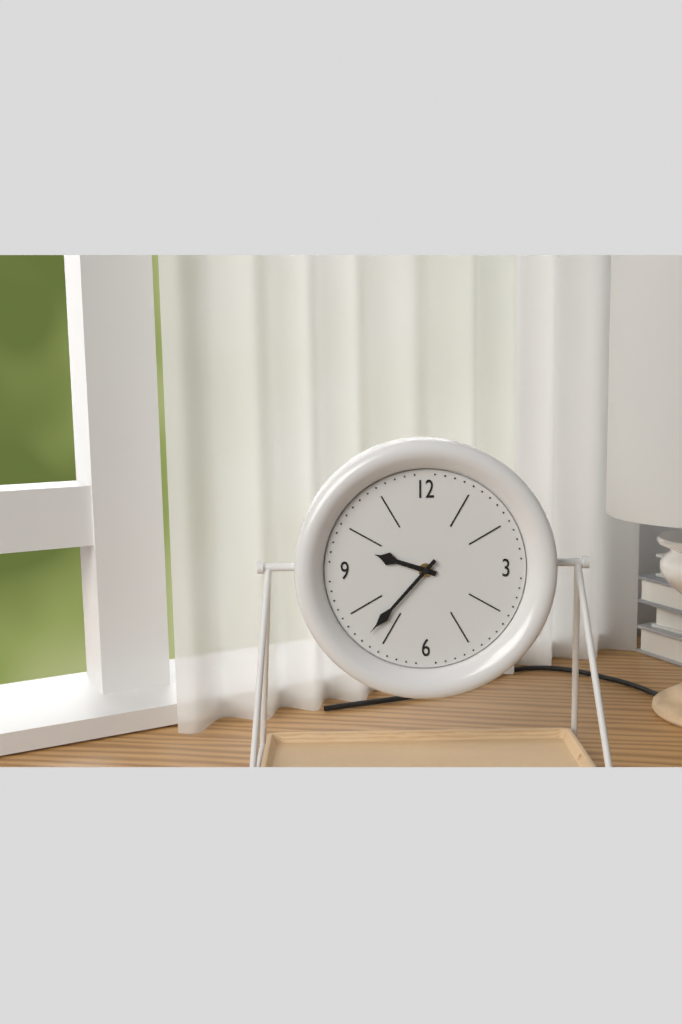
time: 9:37
